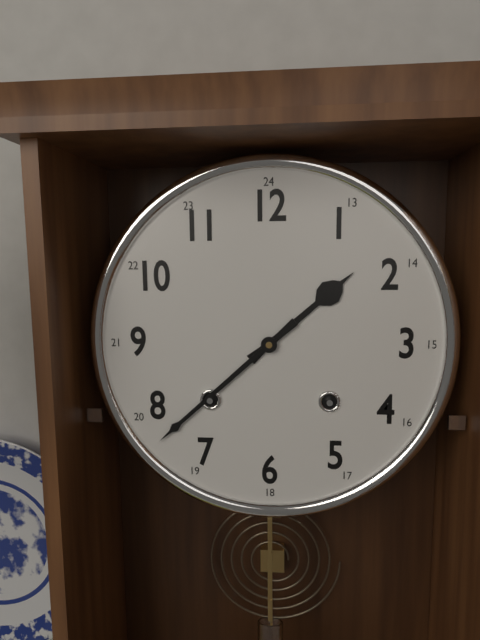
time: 1:38
